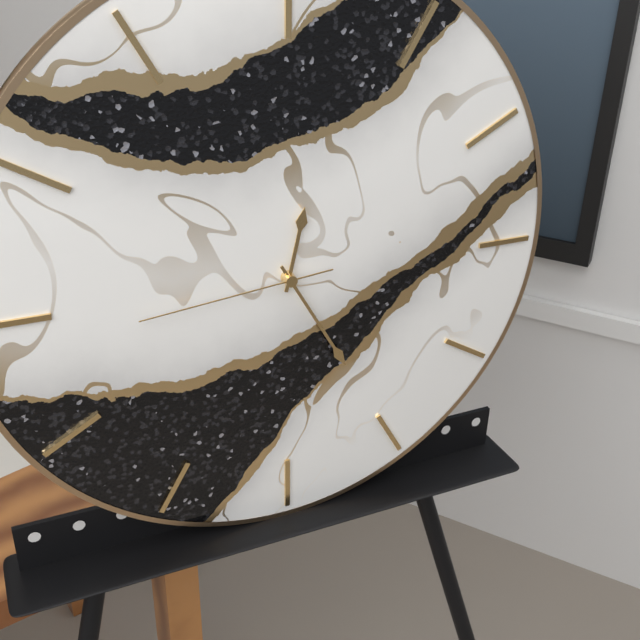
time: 12:25:44
